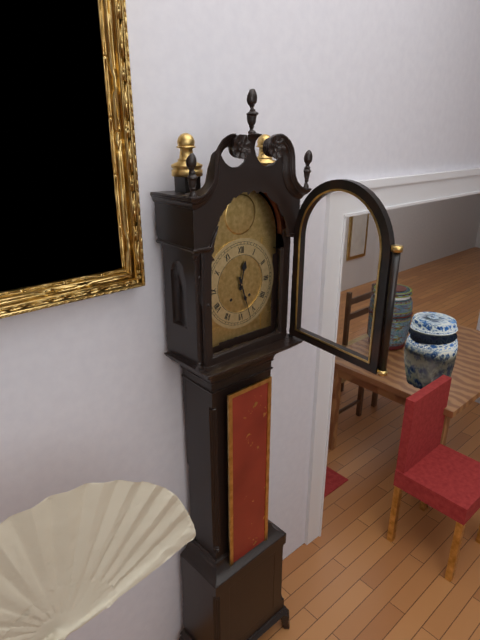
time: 12:27
